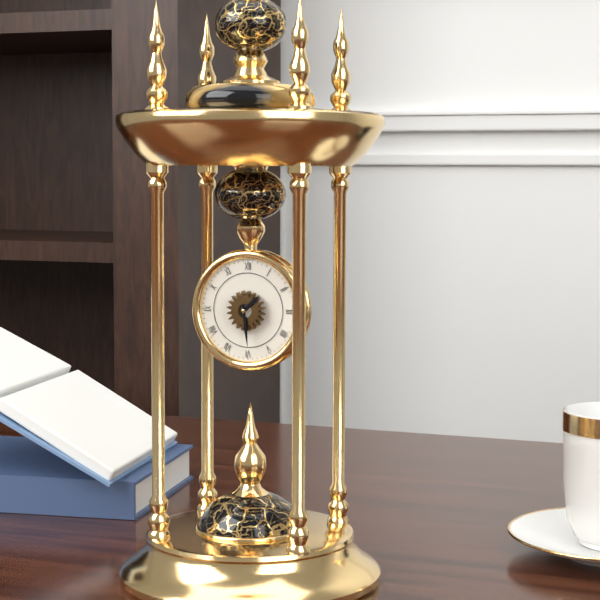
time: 1:29
